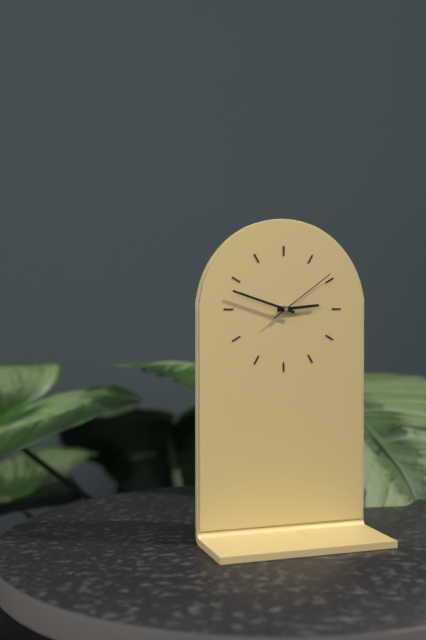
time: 2:48:09
